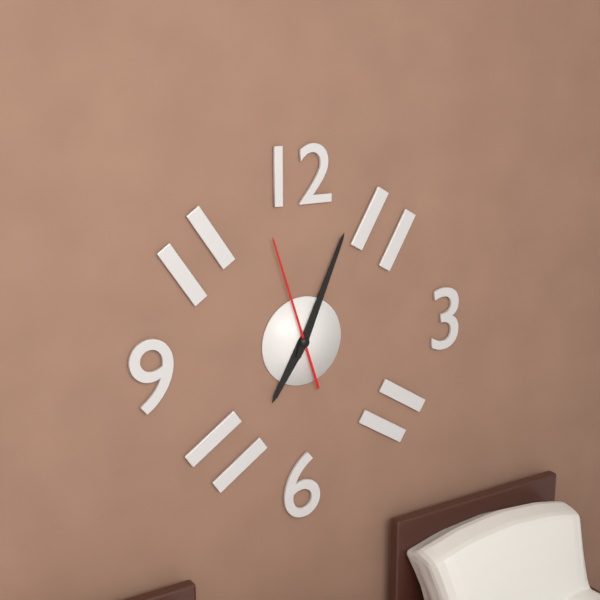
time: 7:04:57
